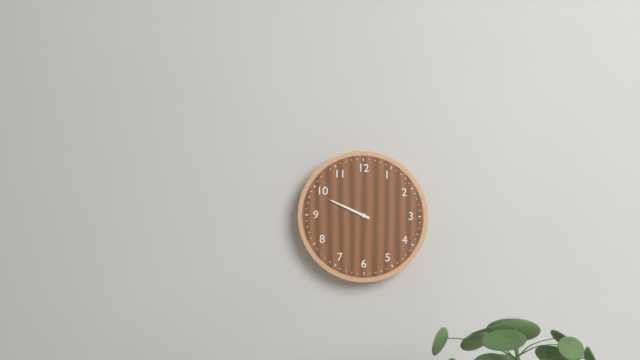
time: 9:49
